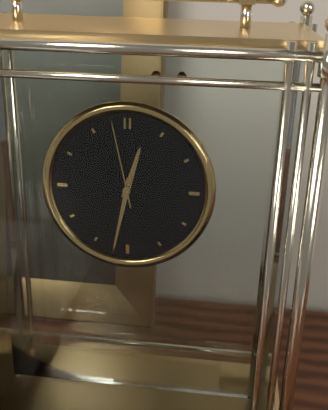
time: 12:32:58
